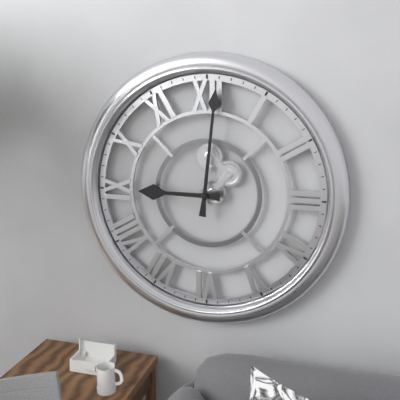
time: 9:01
